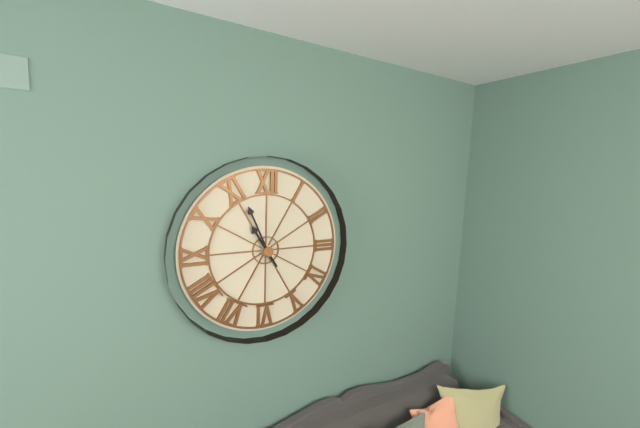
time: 10:56
